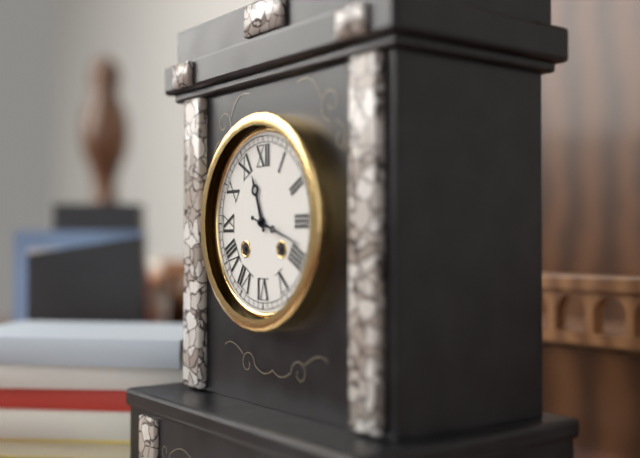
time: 11:18
